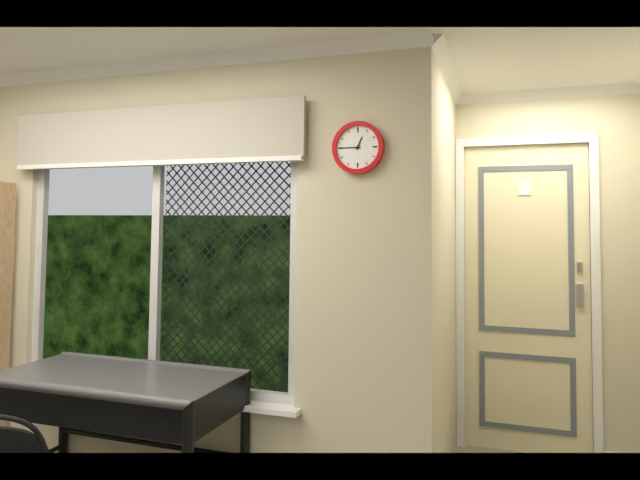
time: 12:45
